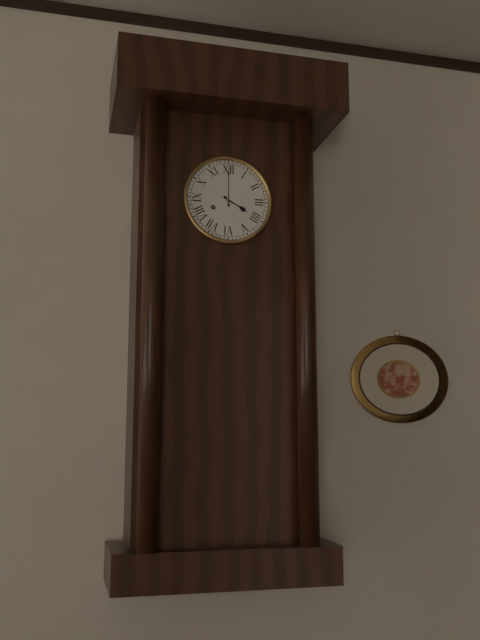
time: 4:00
